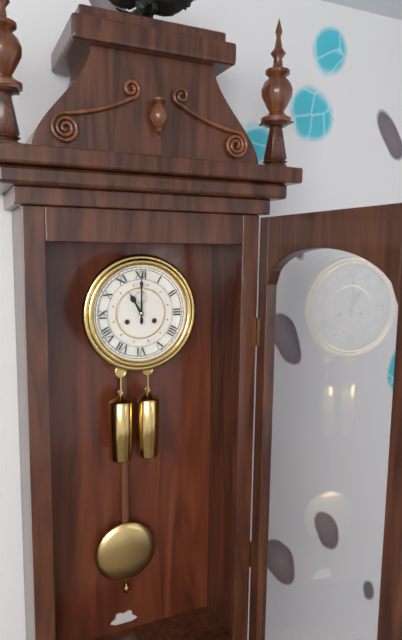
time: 11:00
